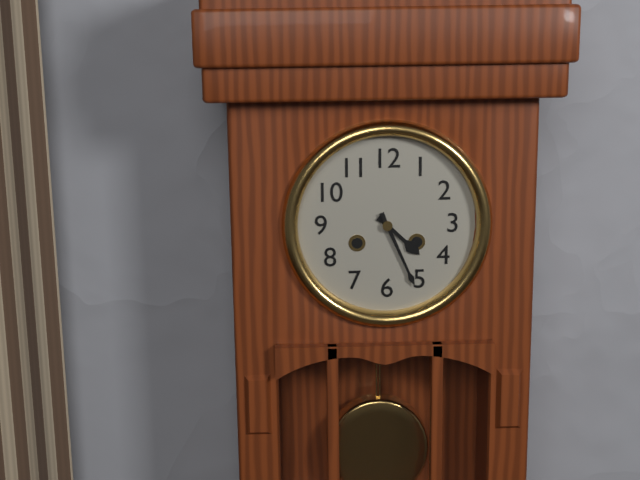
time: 4:26
